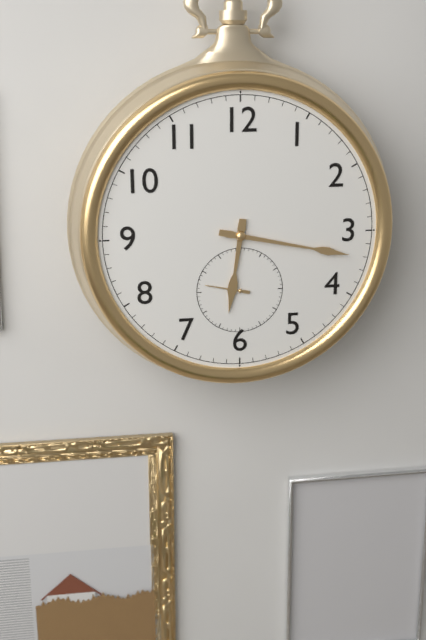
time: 6:17
